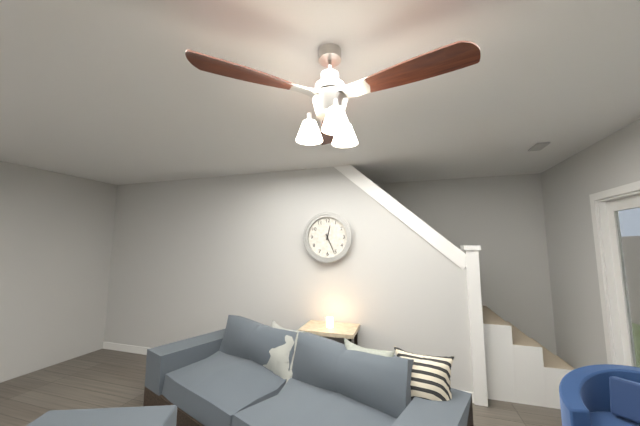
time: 12:26
